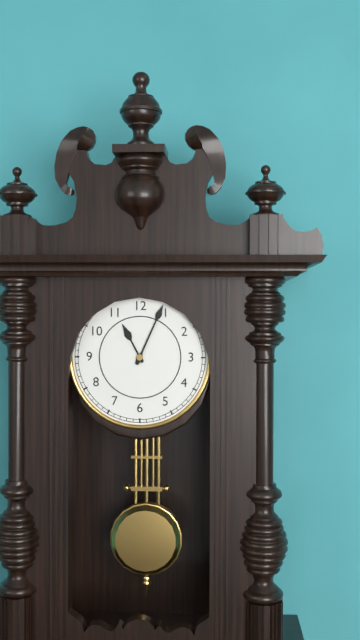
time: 11:04
